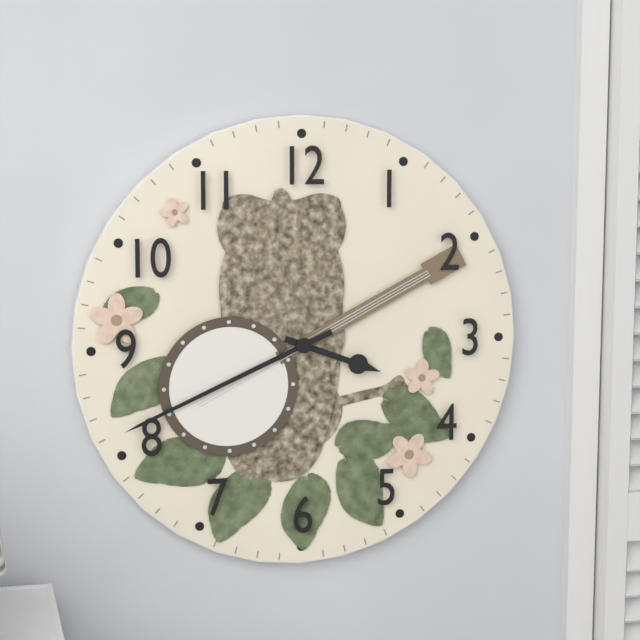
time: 3:41
